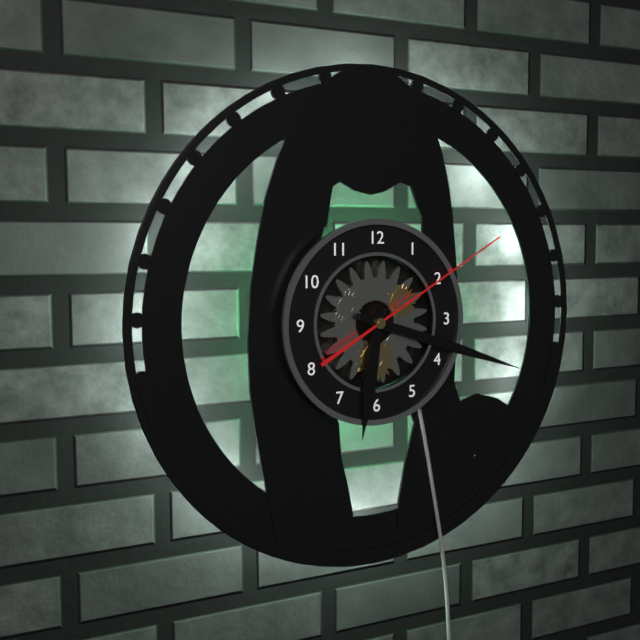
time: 6:18:10
